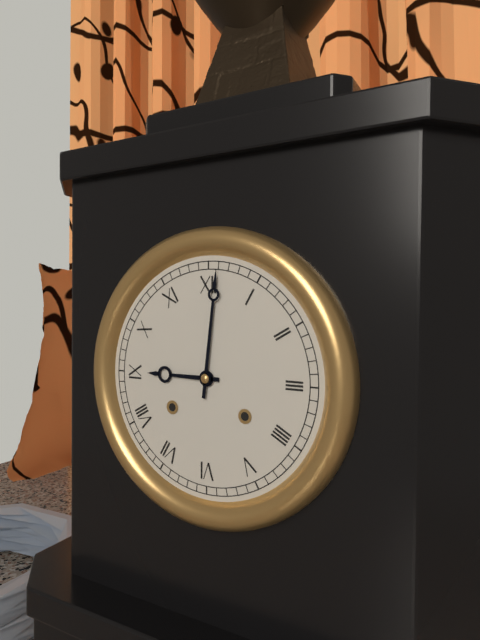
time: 9:01
